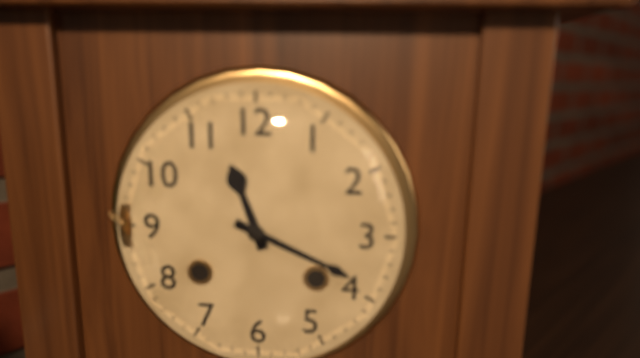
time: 11:19
